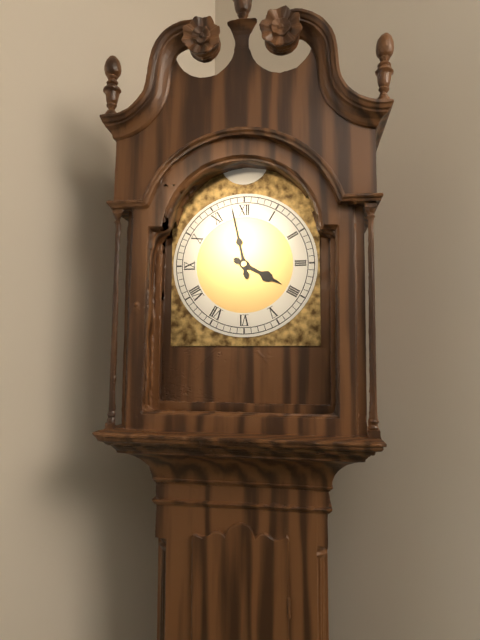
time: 3:58
